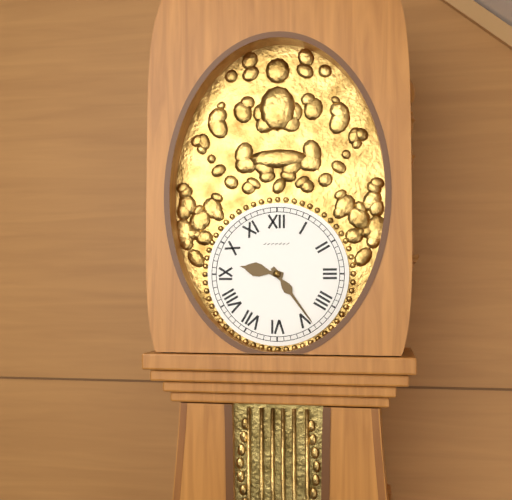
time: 9:24
